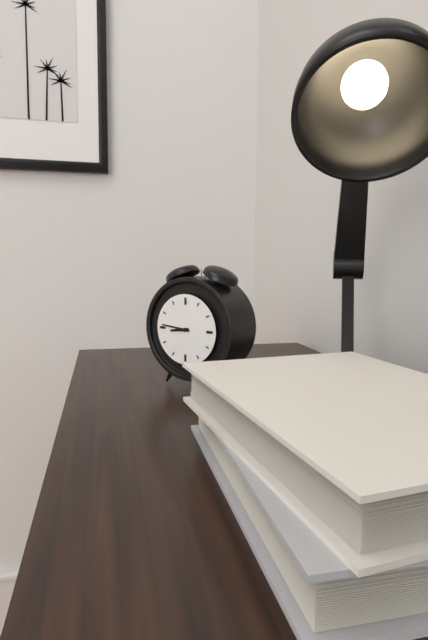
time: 8:46
